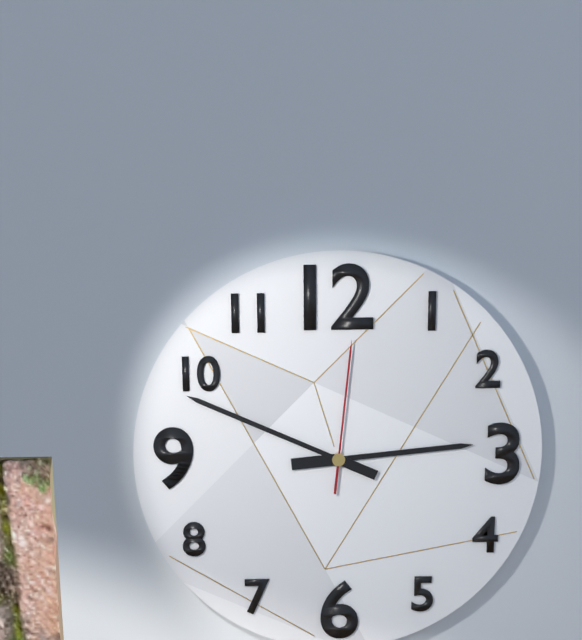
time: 2:49:01
